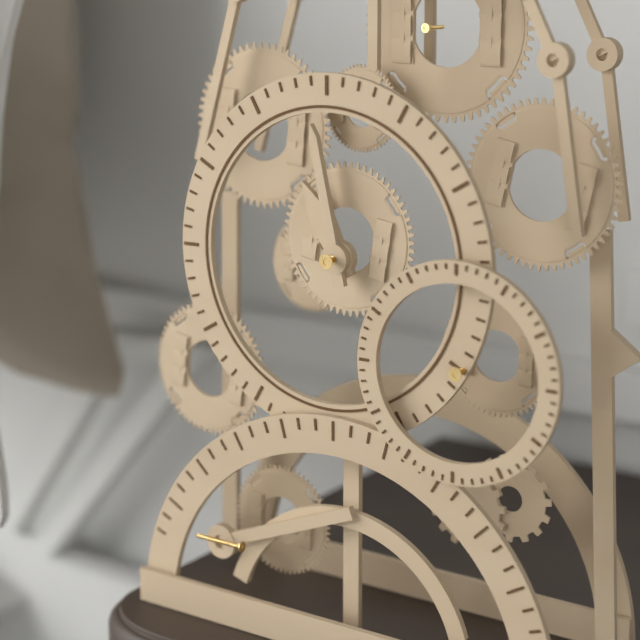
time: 10:58
